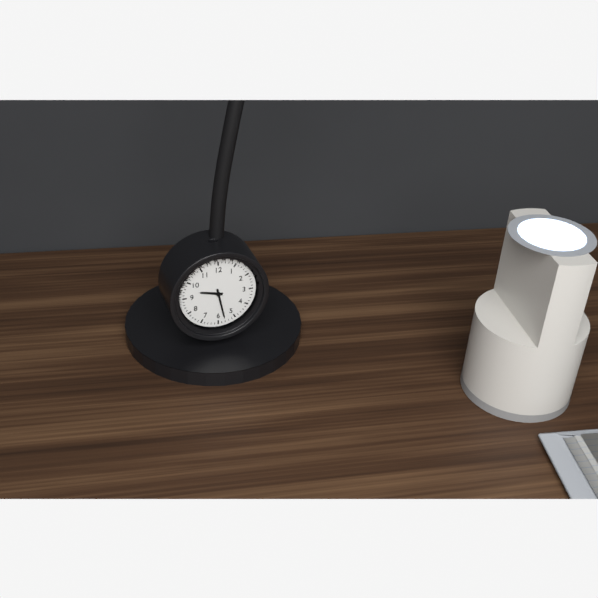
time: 9:28
